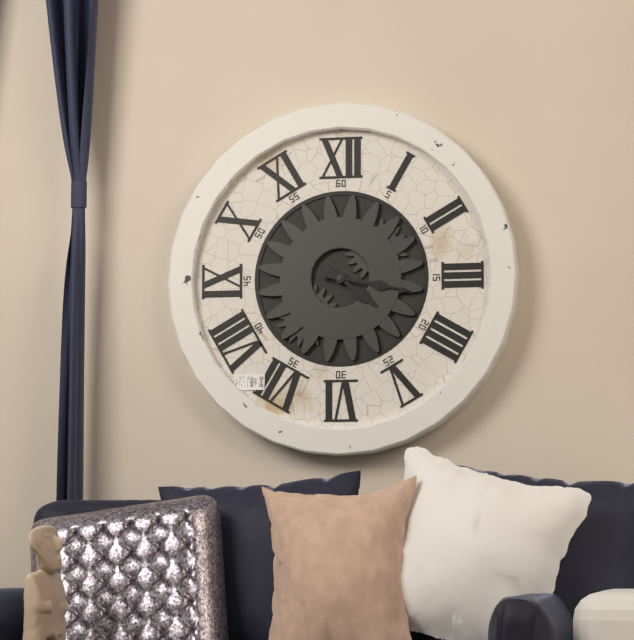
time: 4:17
